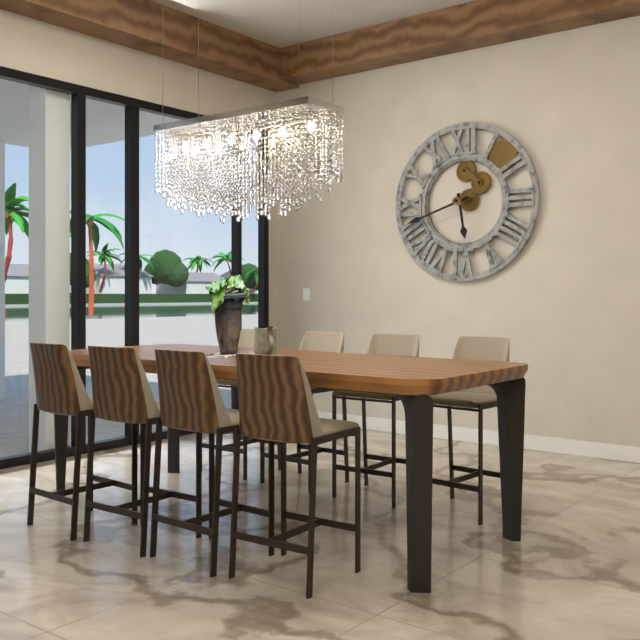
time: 5:42
